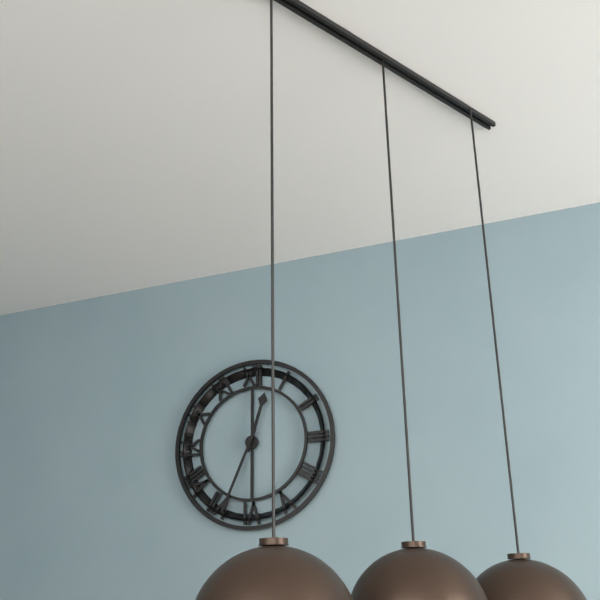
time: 12:34
